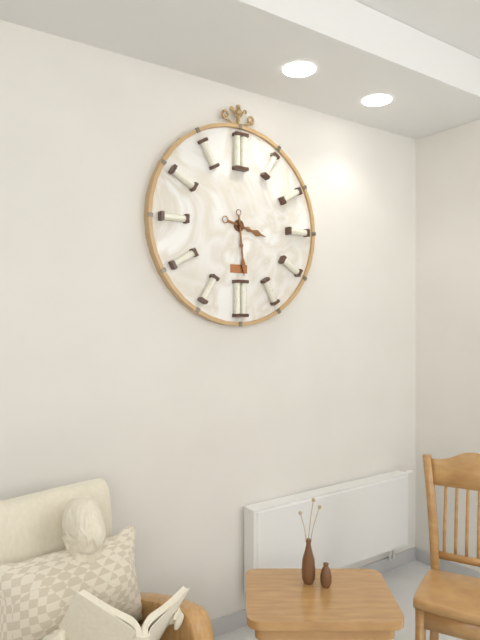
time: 3:29
